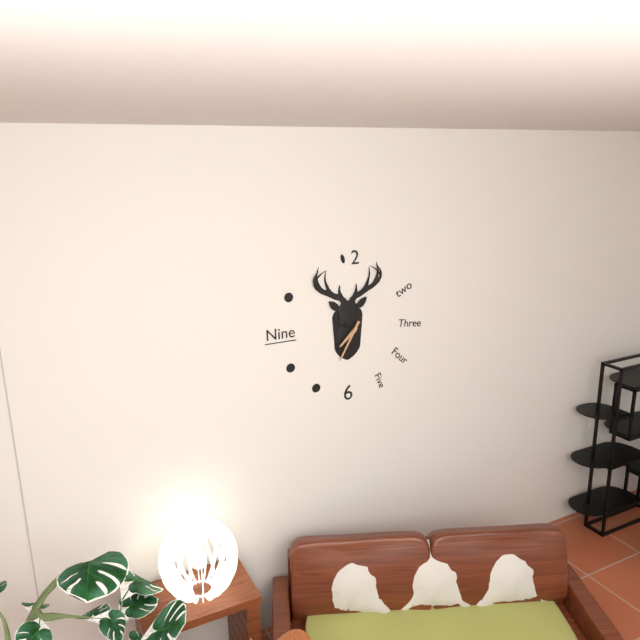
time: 7:35
